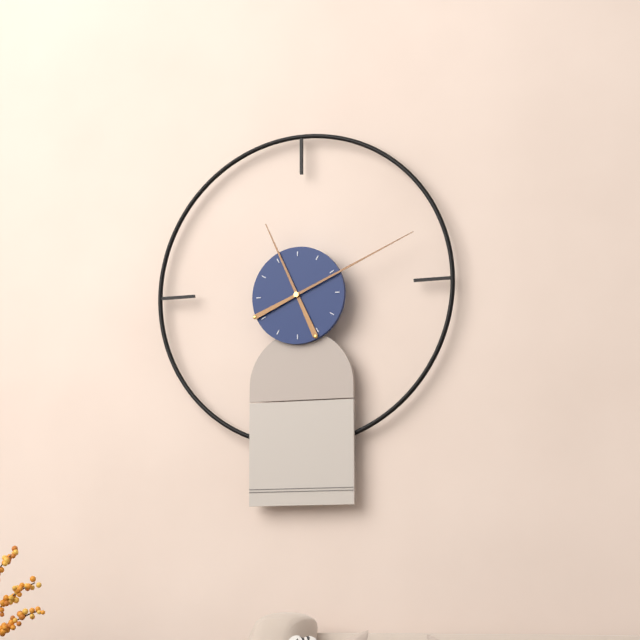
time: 11:11
